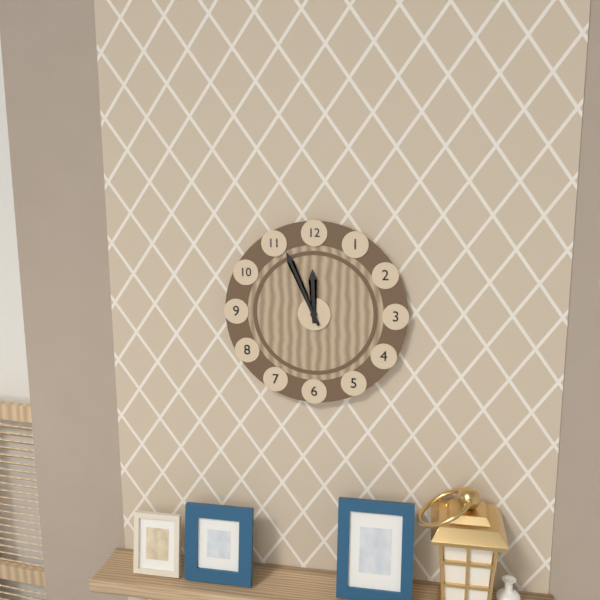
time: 11:56
